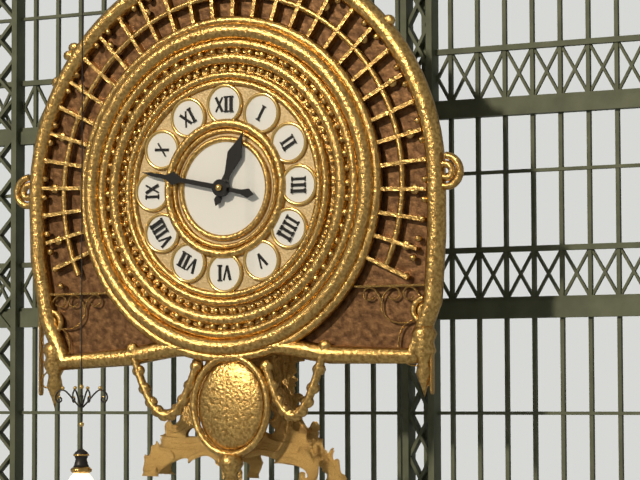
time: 12:47
